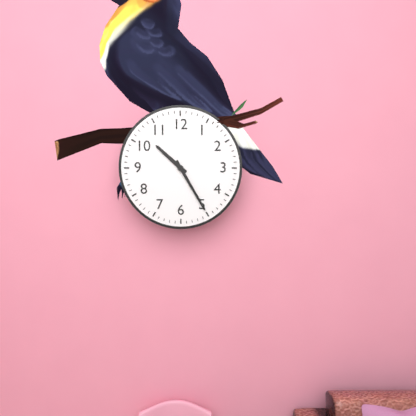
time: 10:25
